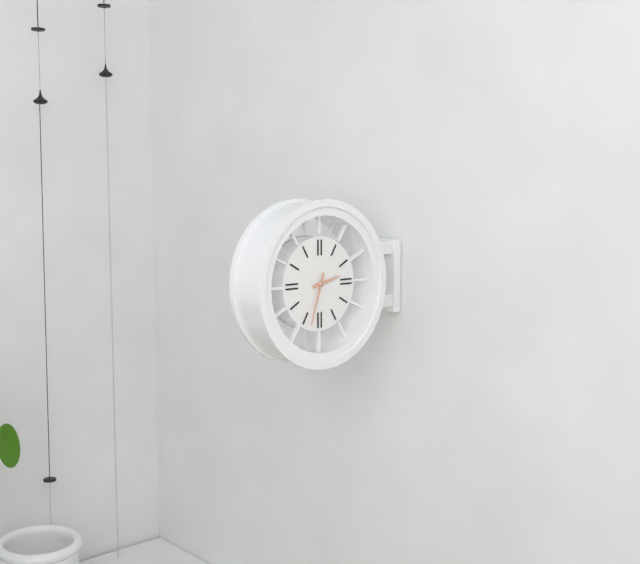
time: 2:33
